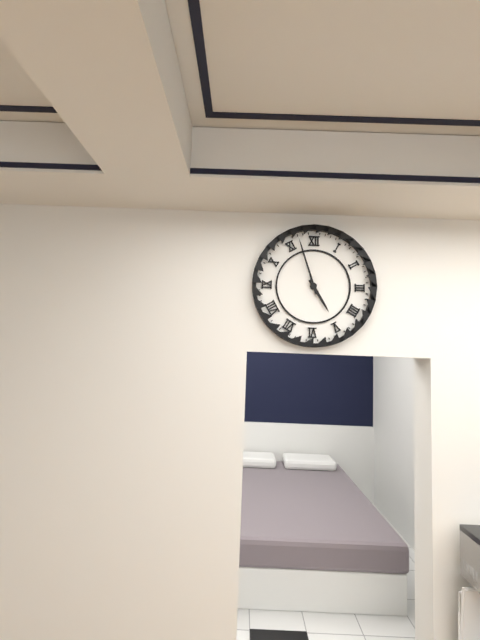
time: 4:57
